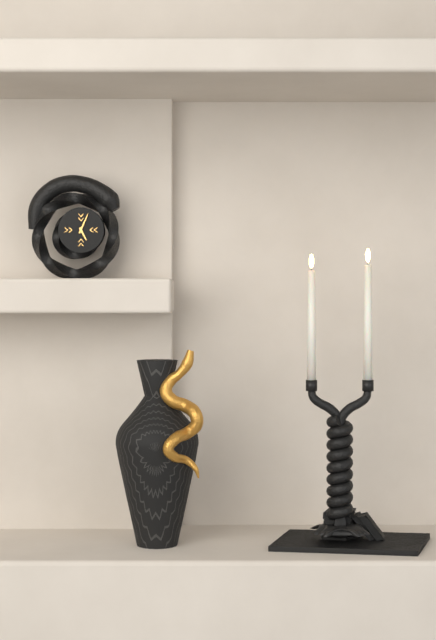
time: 5:04
